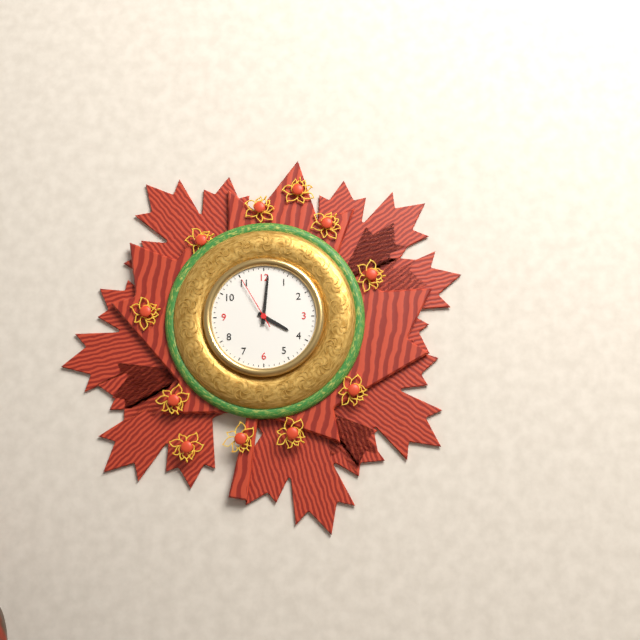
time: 4:01:55
